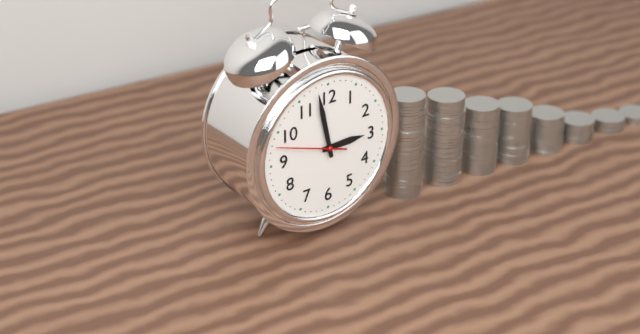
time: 2:58:48
